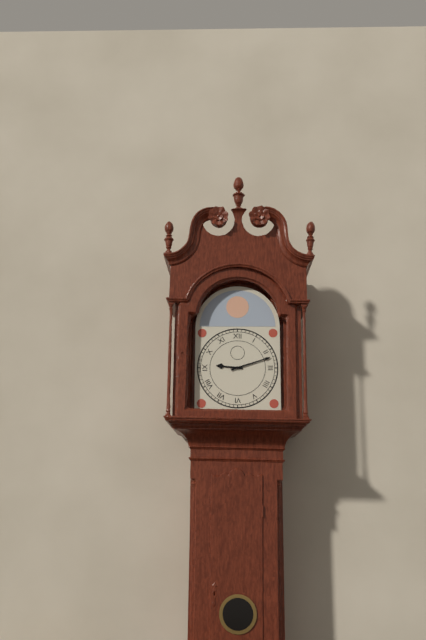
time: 9:12
